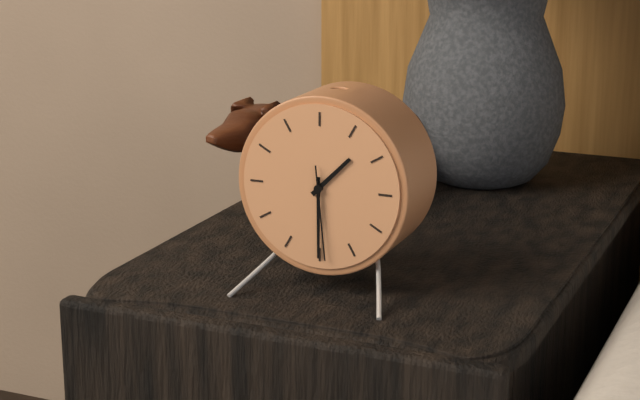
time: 1:30:29
